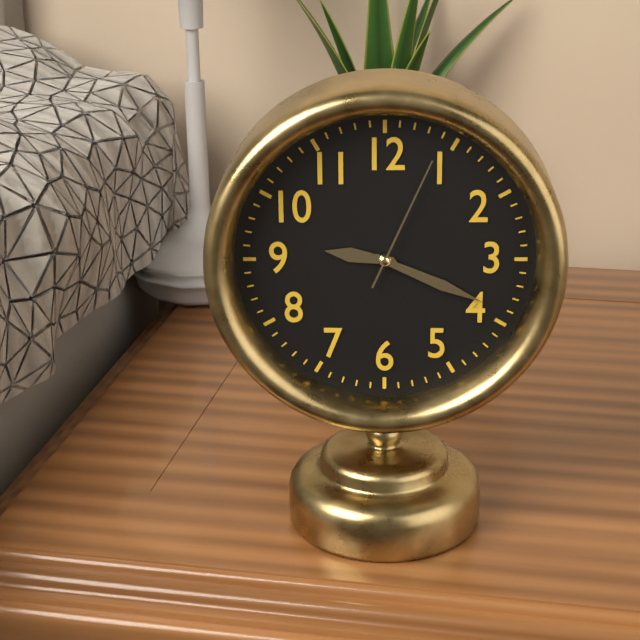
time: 9:19:04
